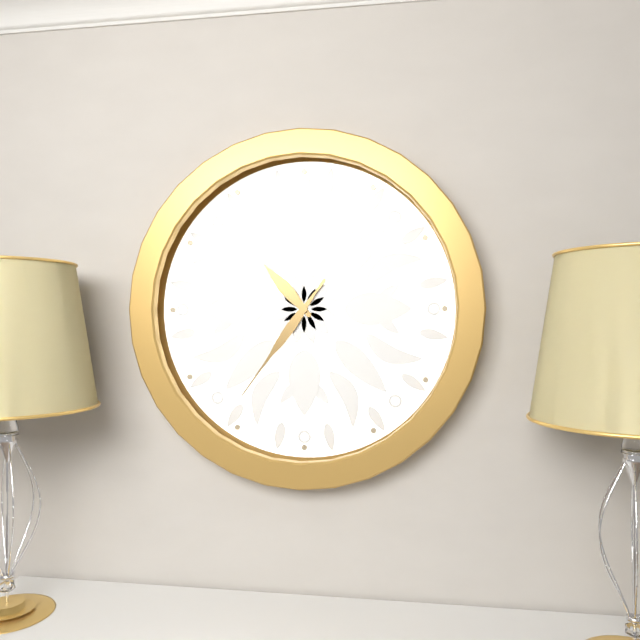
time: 10:36
